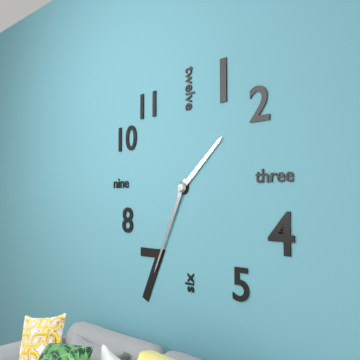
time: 1:34
